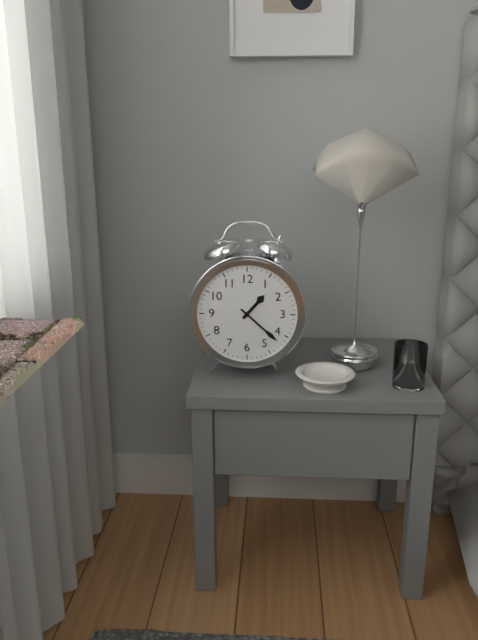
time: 1:22
